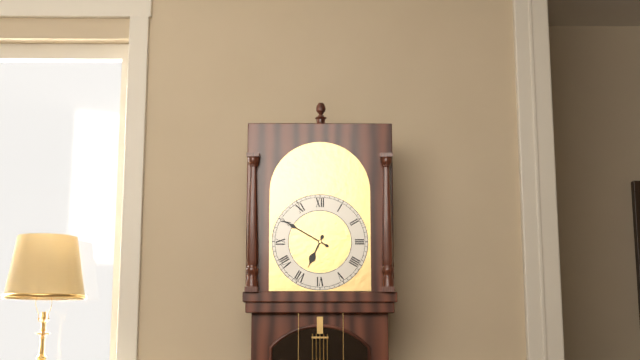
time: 6:50
